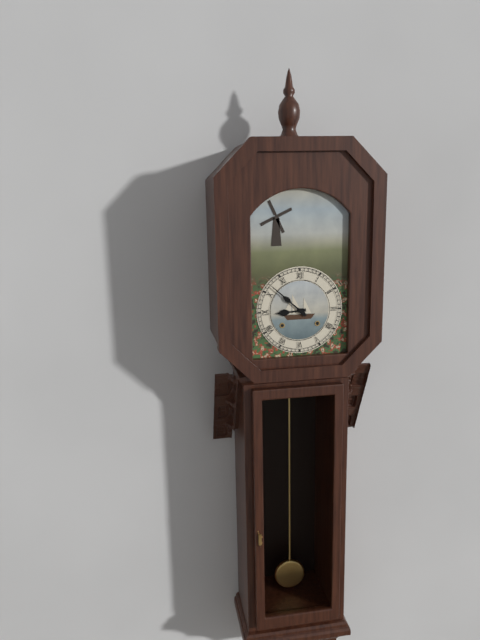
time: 8:52
